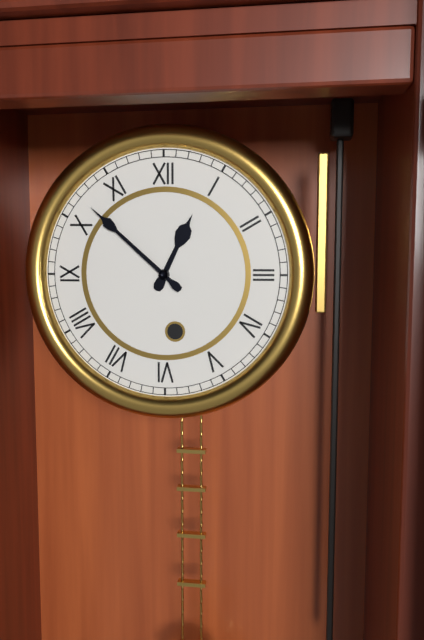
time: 12:52
